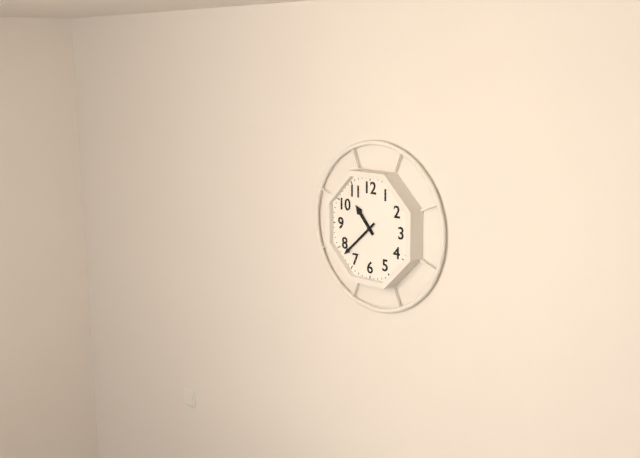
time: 10:38
